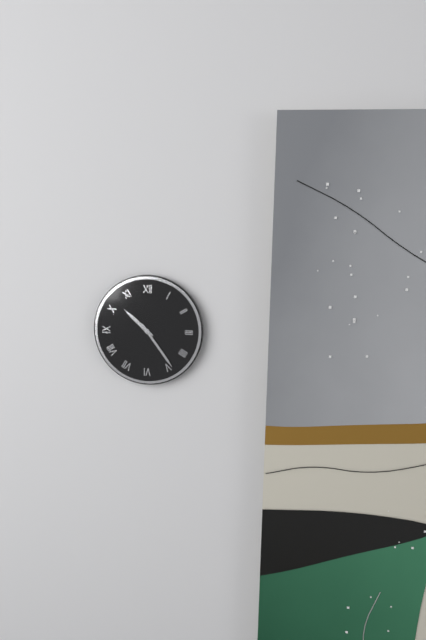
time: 10:24
